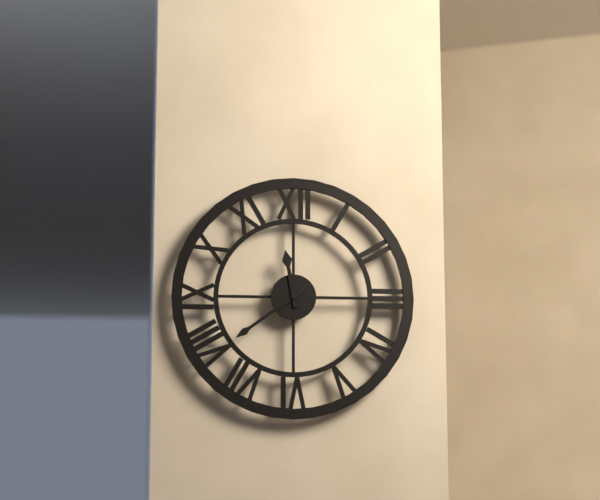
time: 11:39
